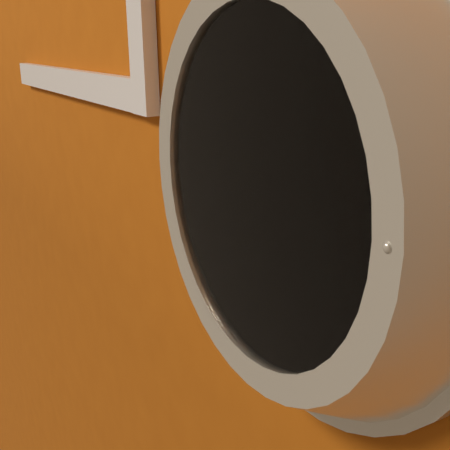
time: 10:32
